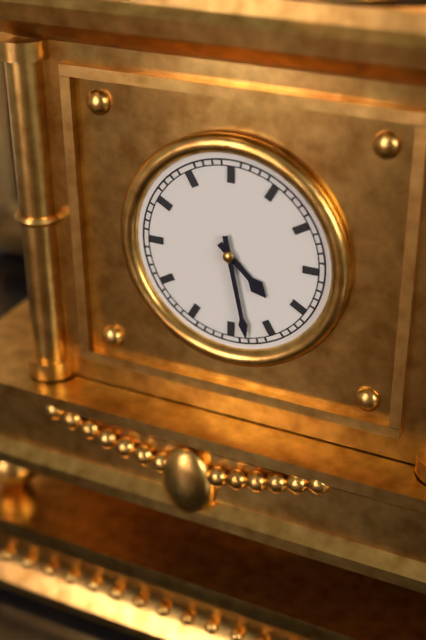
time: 4:28
